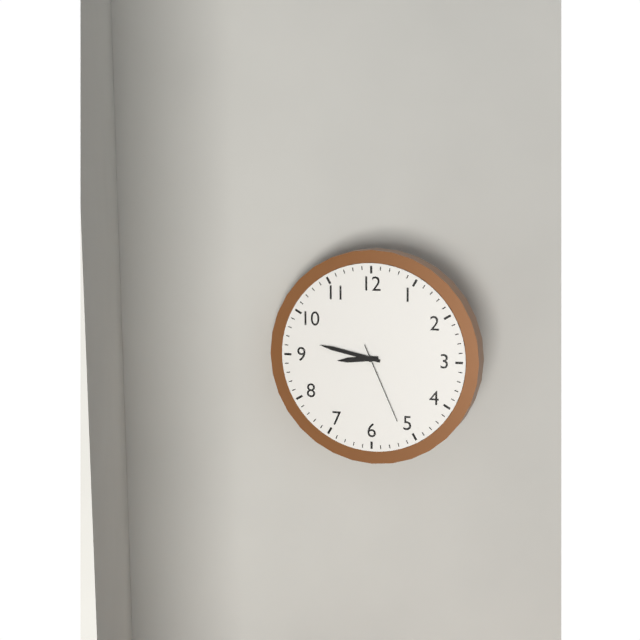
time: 8:47:26
